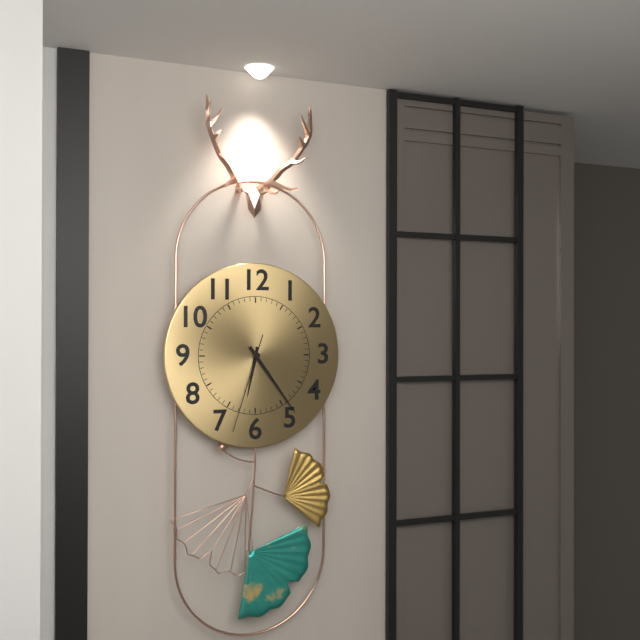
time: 6:24:33
